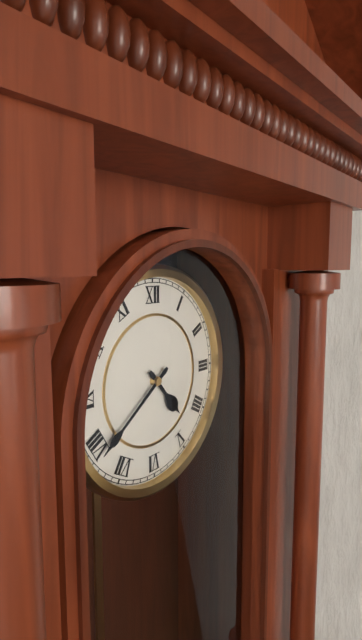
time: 4:39
